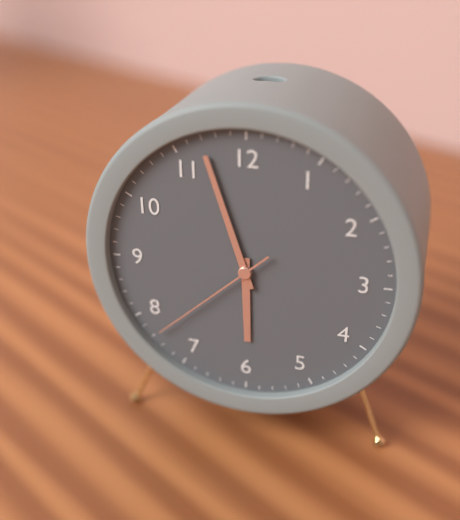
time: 5:57:38
